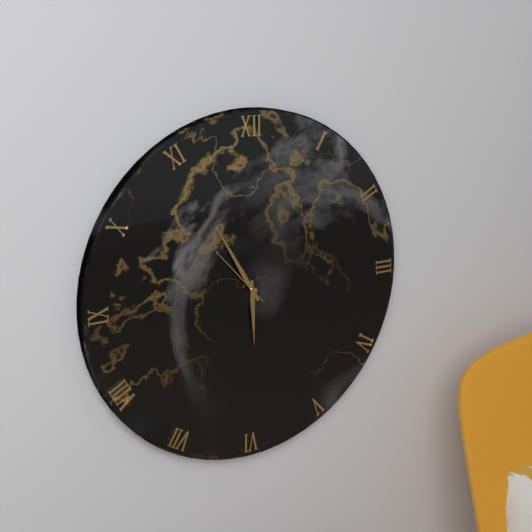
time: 5:55:53
